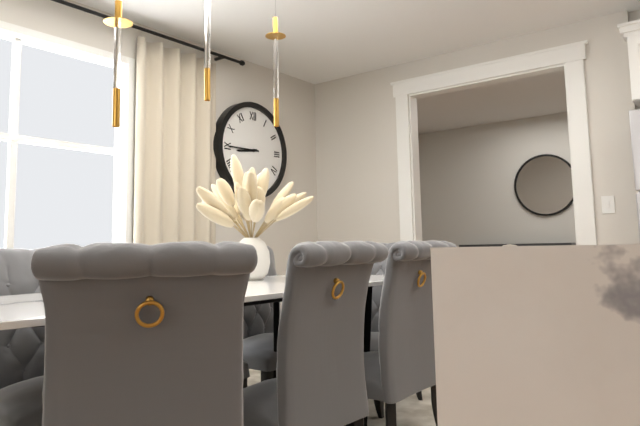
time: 8:45
